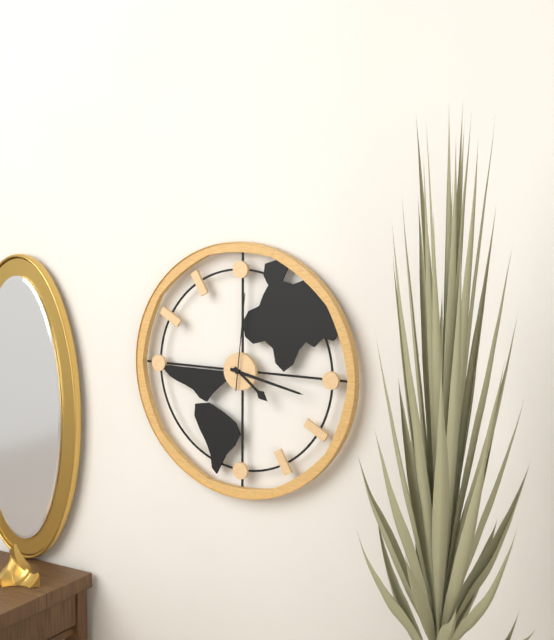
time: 4:17:01
